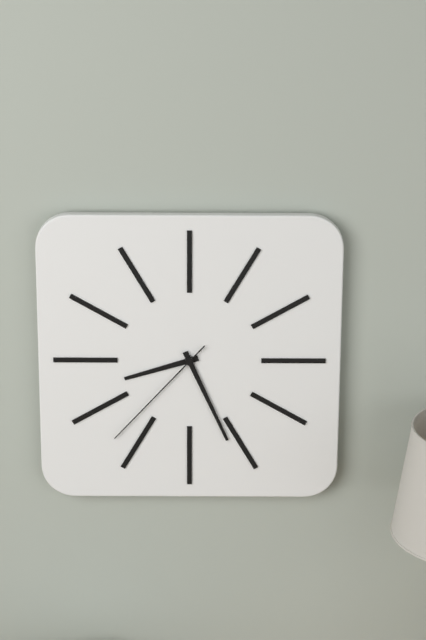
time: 8:26:37
